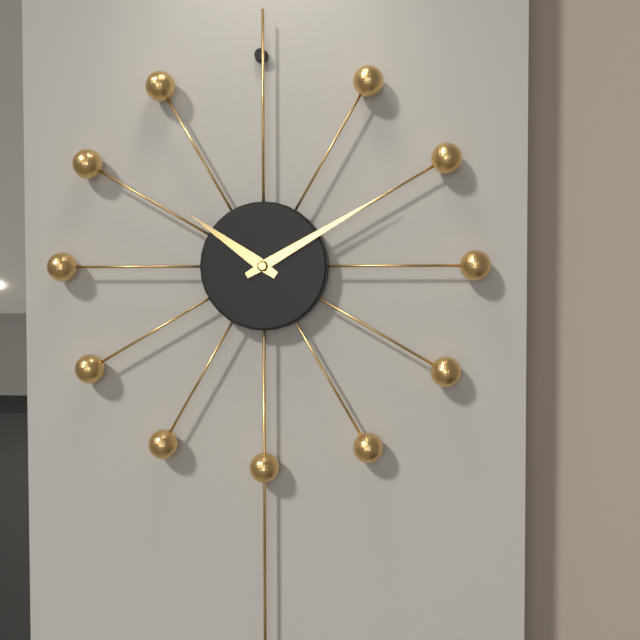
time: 10:10
